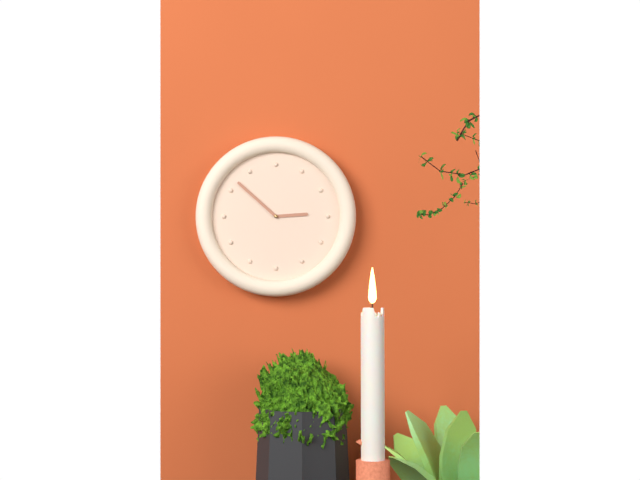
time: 2:52
